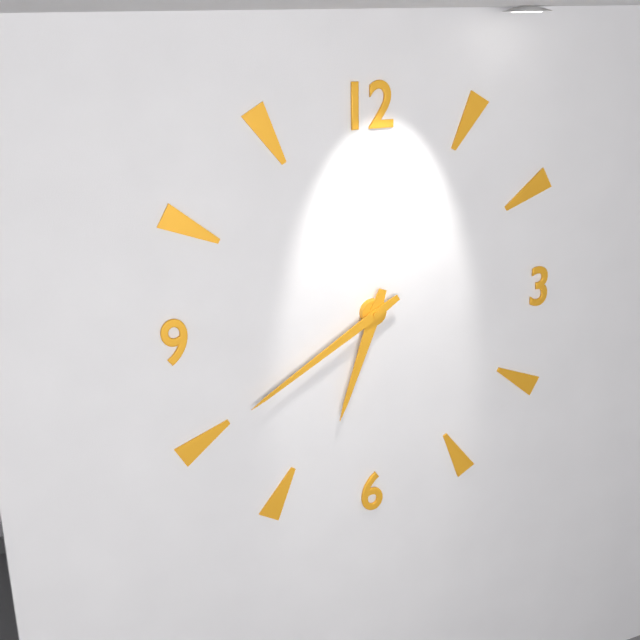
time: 6:40
